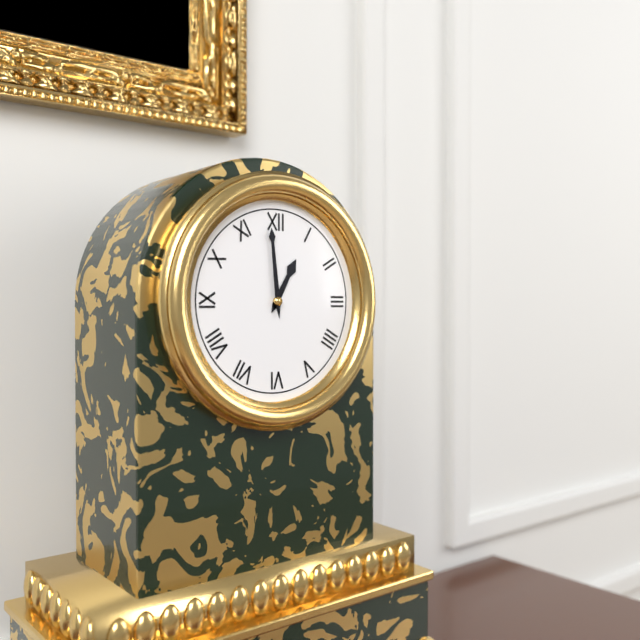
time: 12:59
